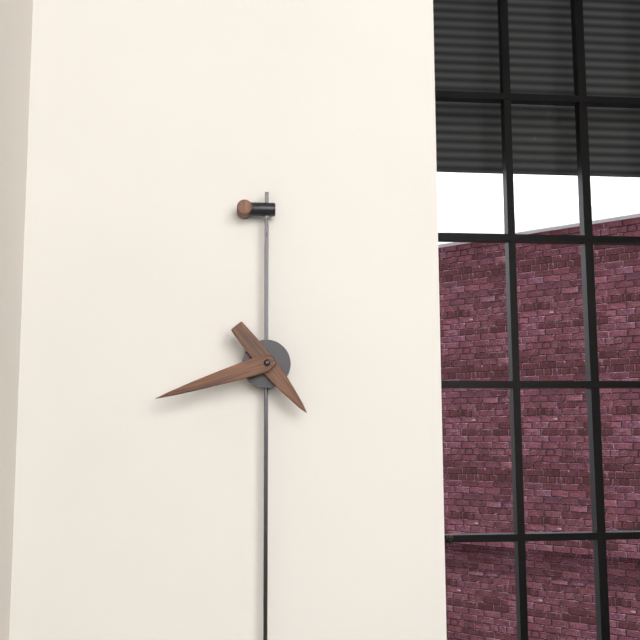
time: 4:42
